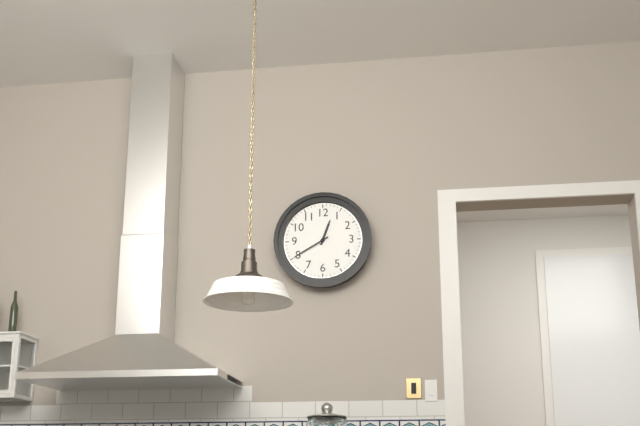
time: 12:40
